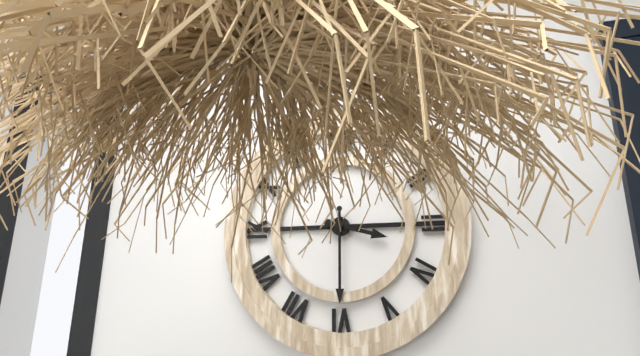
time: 3:30
